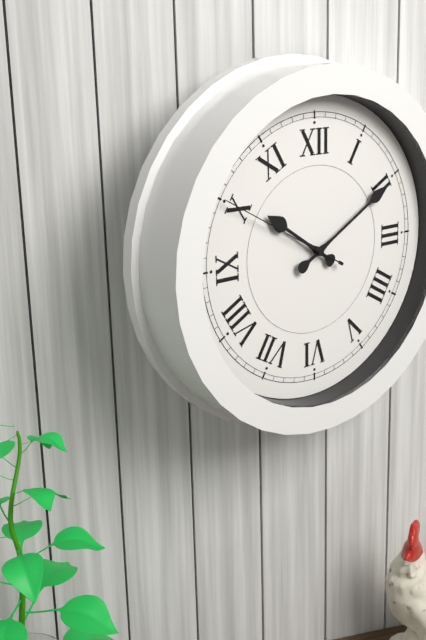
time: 10:10:50
